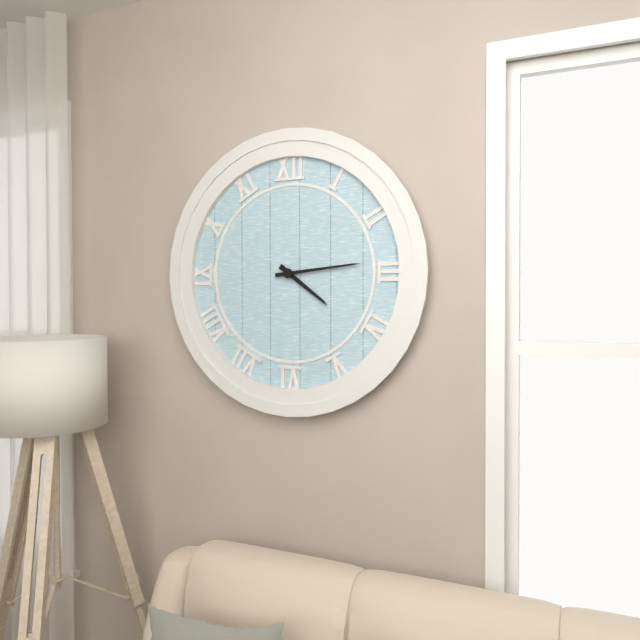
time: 4:14
